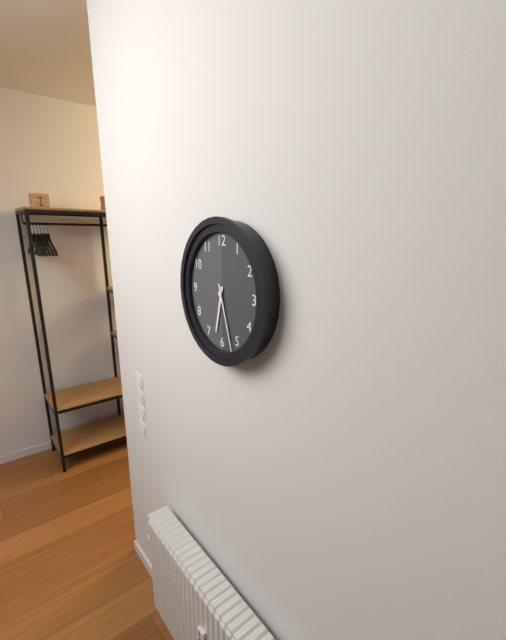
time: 6:27
